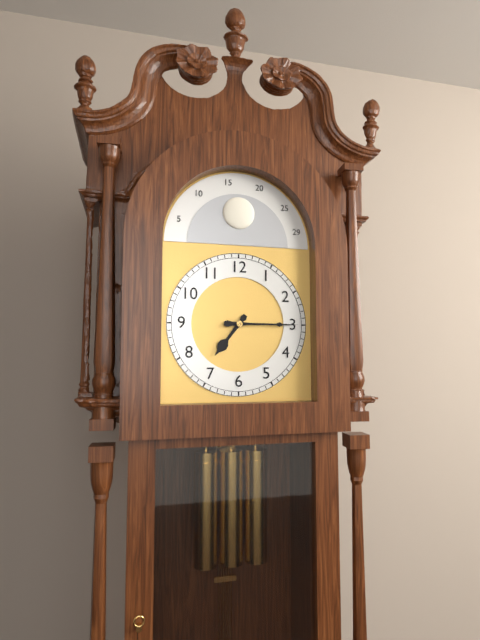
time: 7:15
